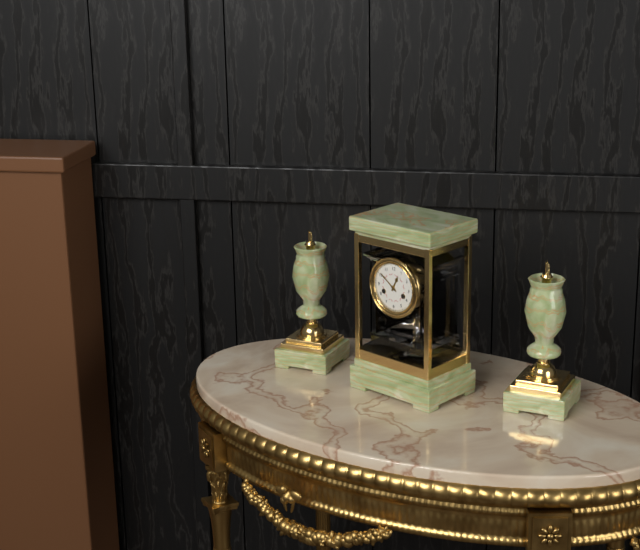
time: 12:51
